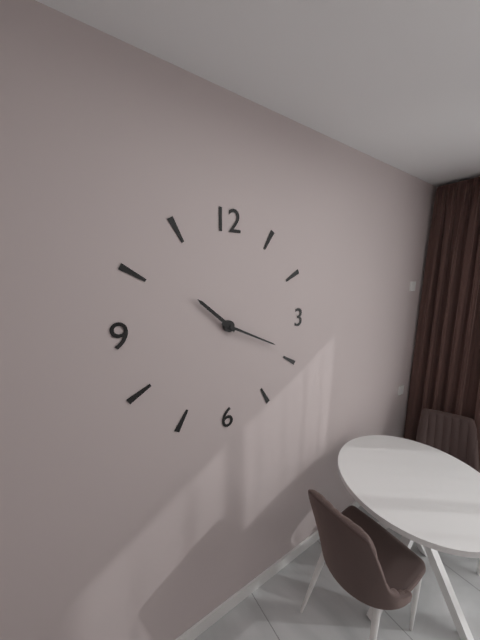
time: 10:19
